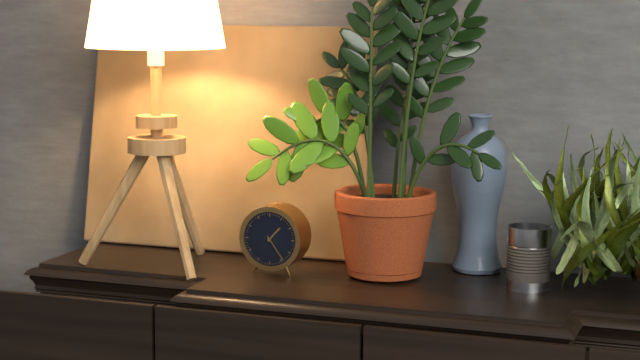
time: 1:24
